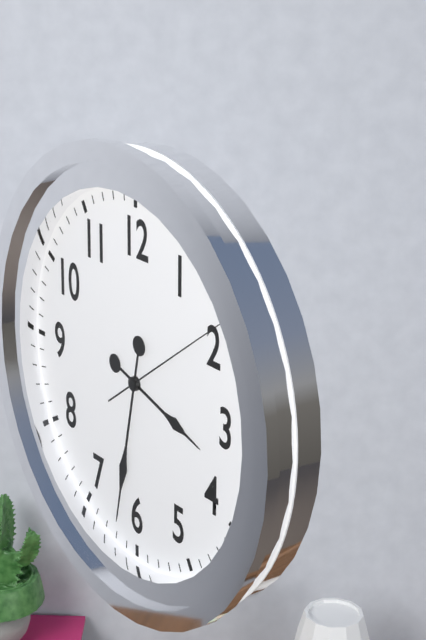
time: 3:32:09
